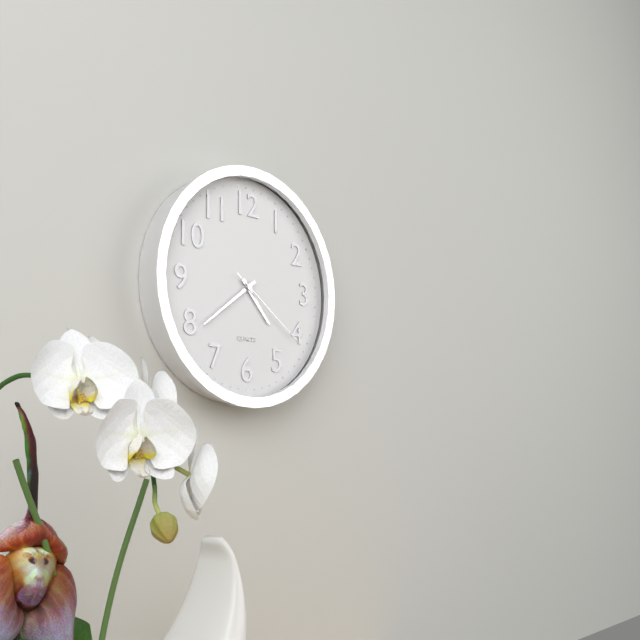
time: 4:39:21
